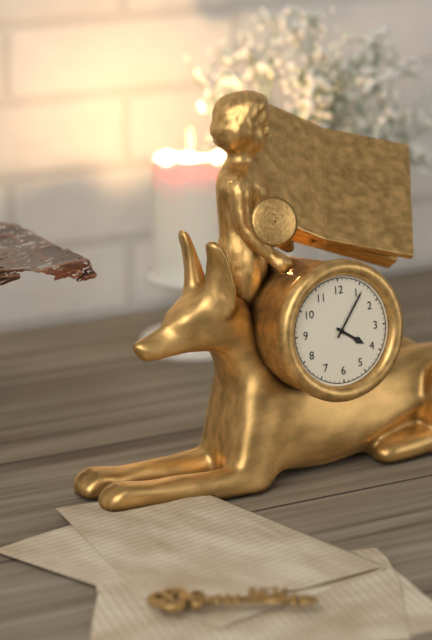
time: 4:06
